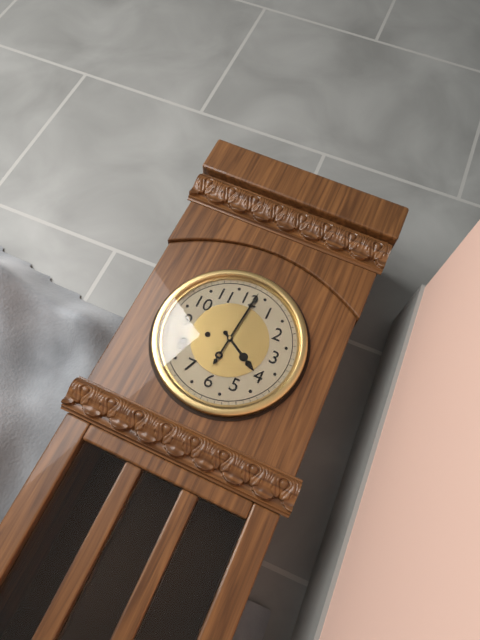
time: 4:01
